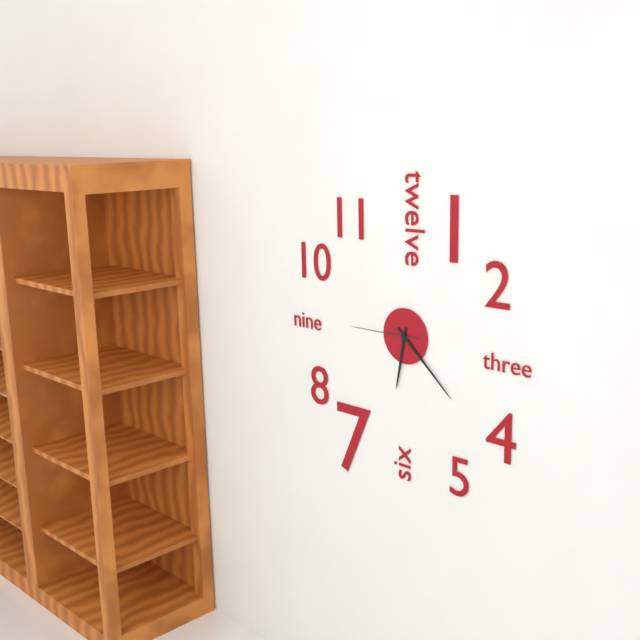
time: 6:22:45
